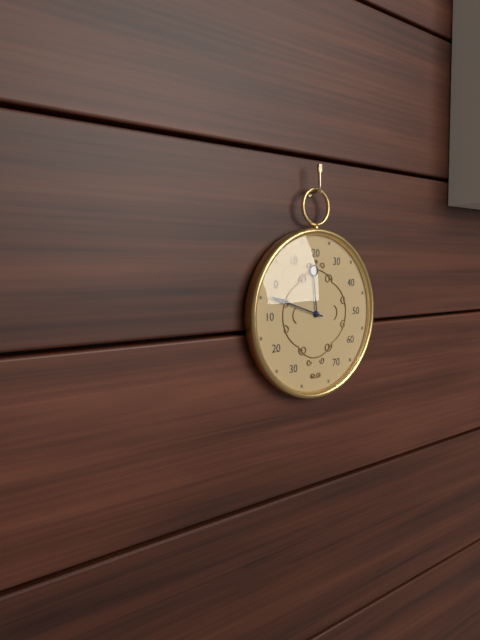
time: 11:48
